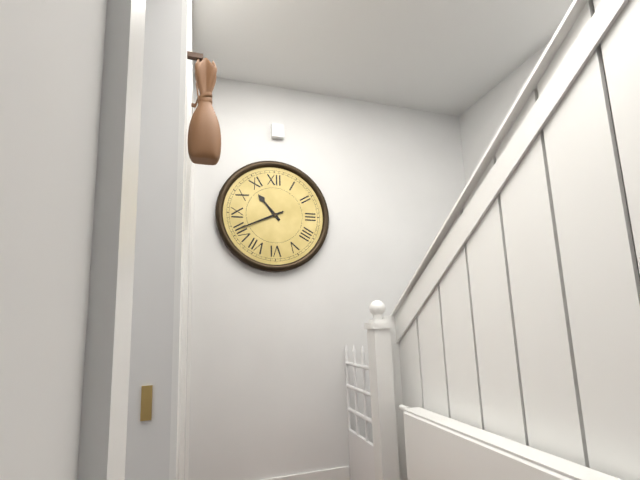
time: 10:41
